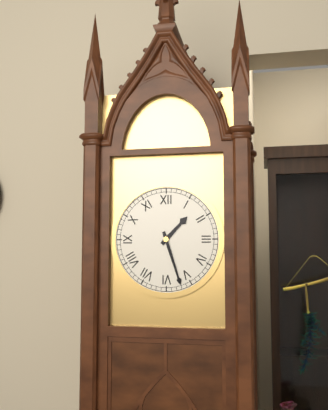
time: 1:27
